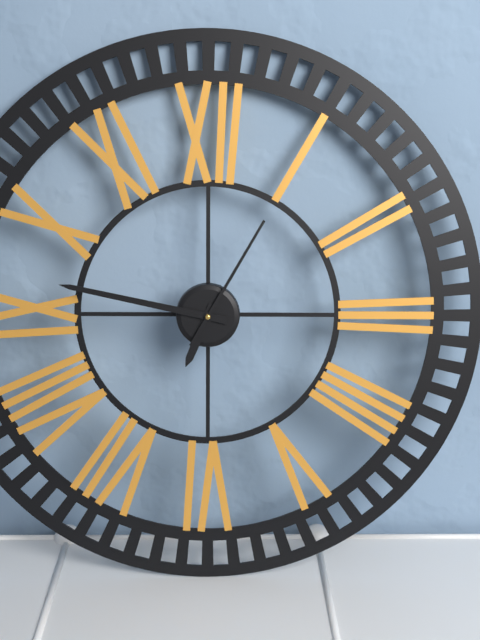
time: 6:47:05
